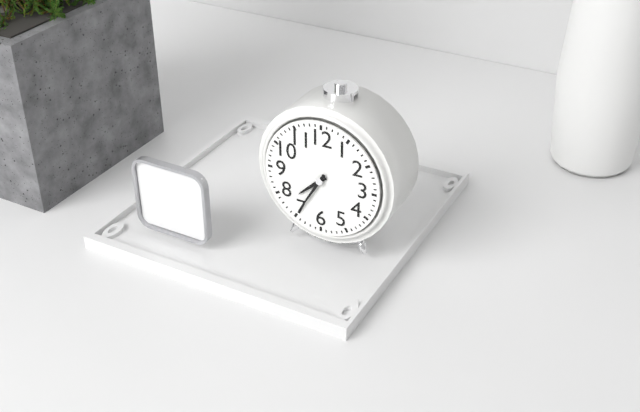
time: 7:35
